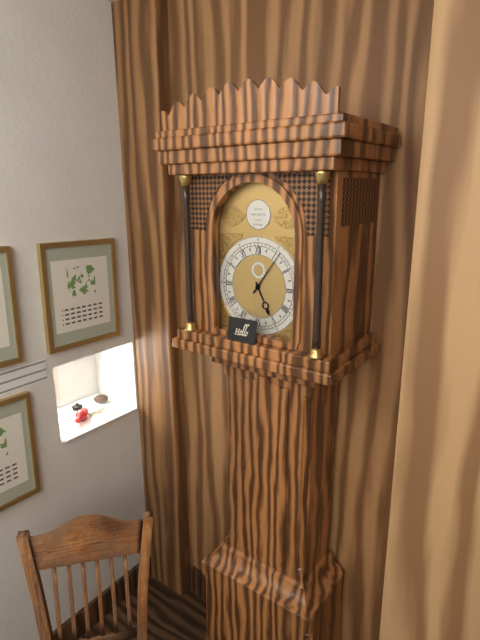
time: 5:06
